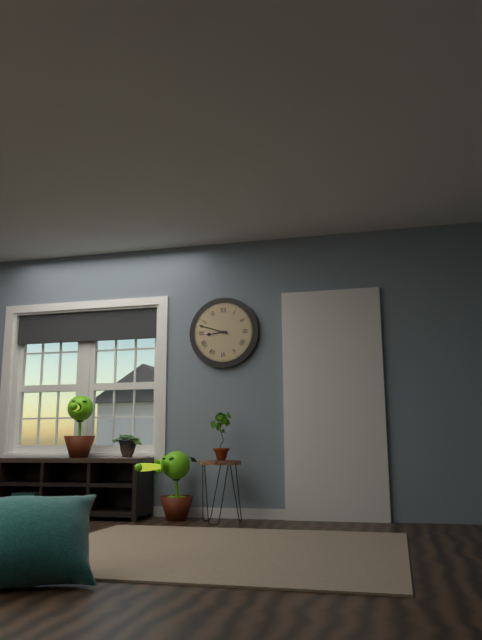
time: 8:48
